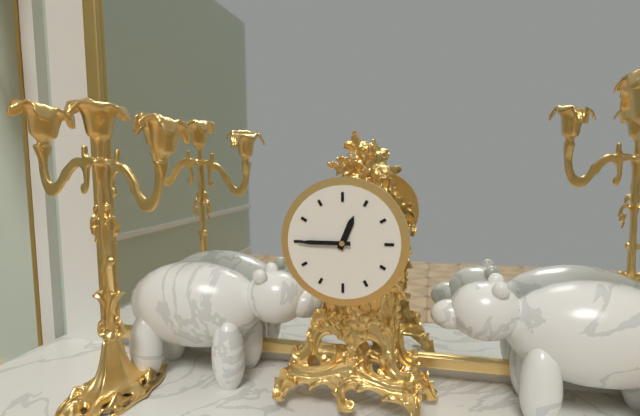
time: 12:45
